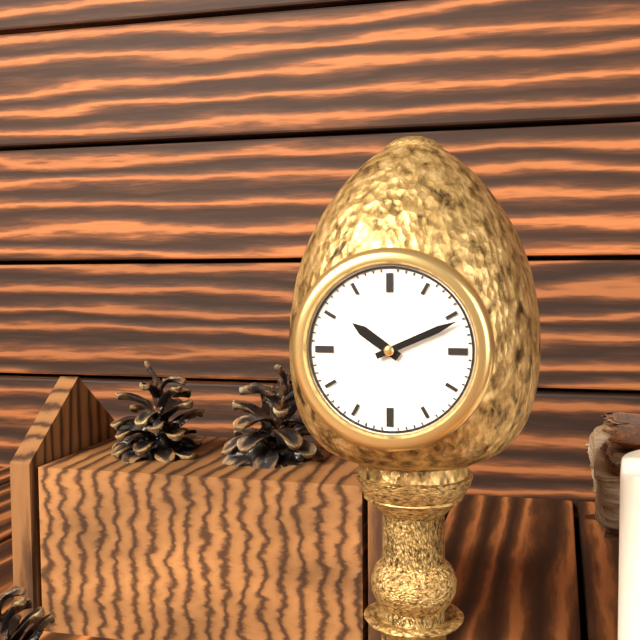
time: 10:11
